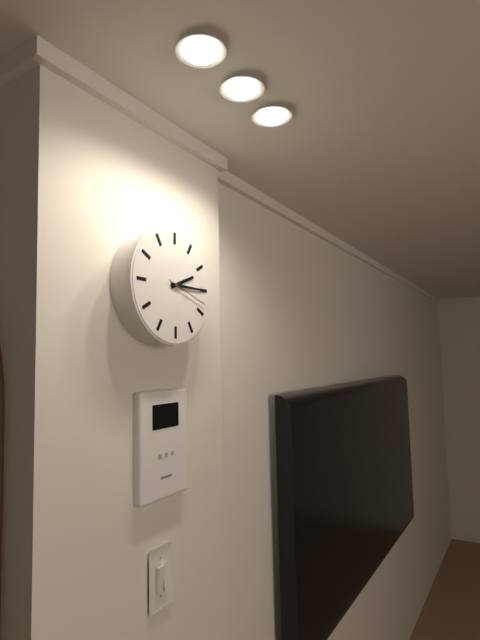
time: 2:15
